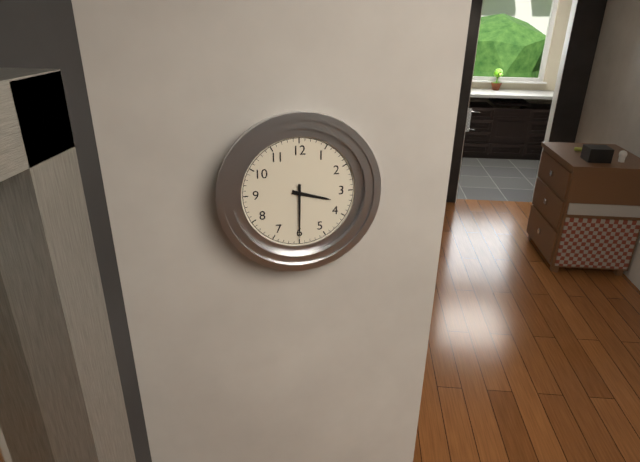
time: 3:30
